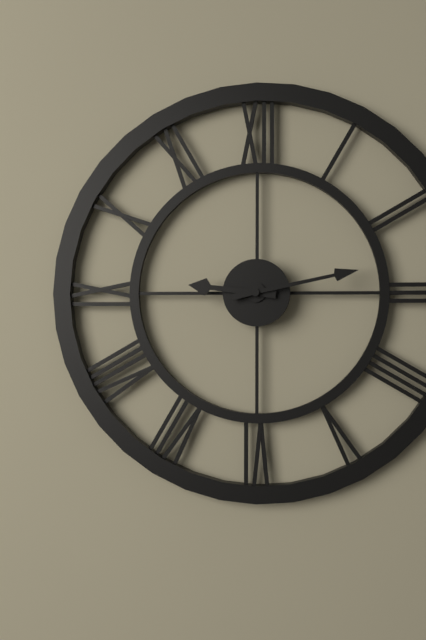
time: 9:13
